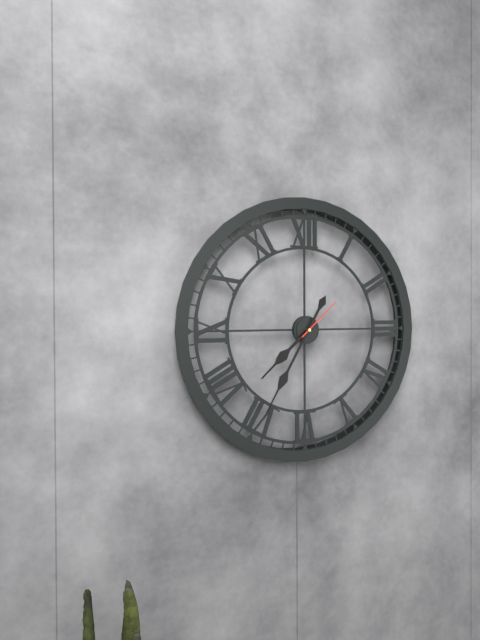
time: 7:35:08
